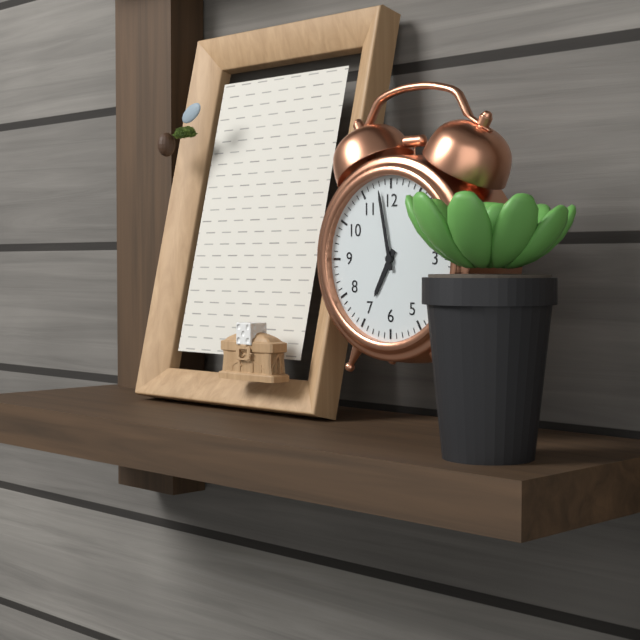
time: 6:58
